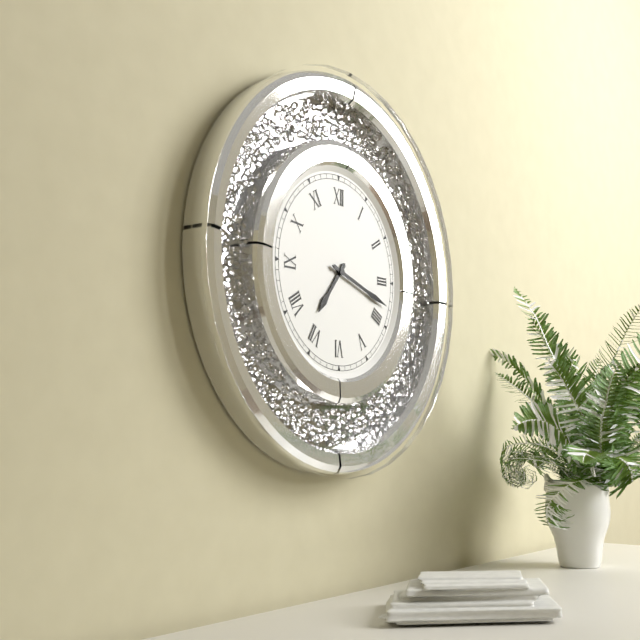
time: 7:18
